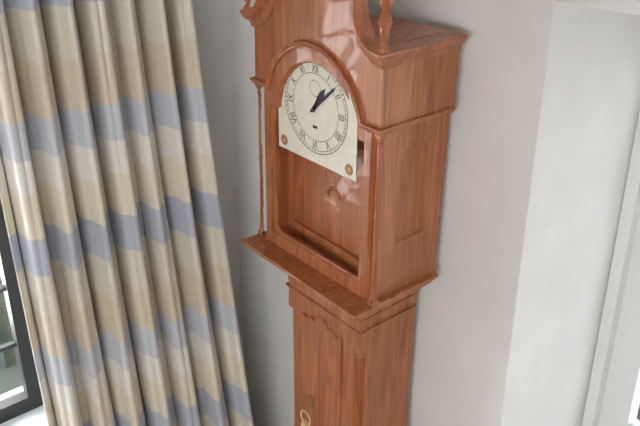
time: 1:08
